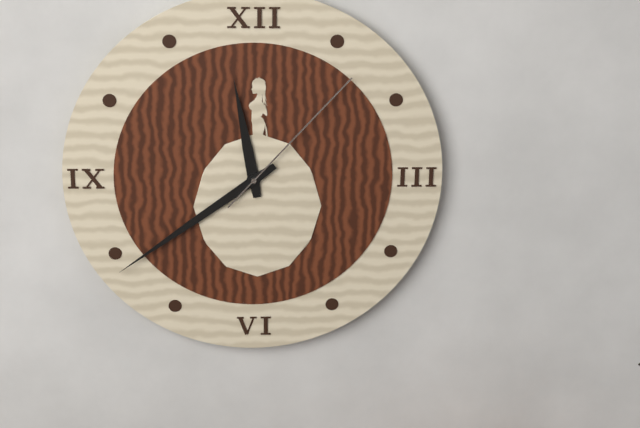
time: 11:39:07
